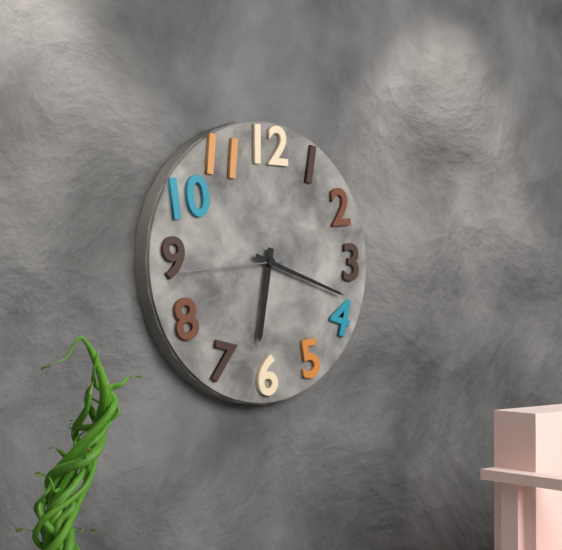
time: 6:18:44
